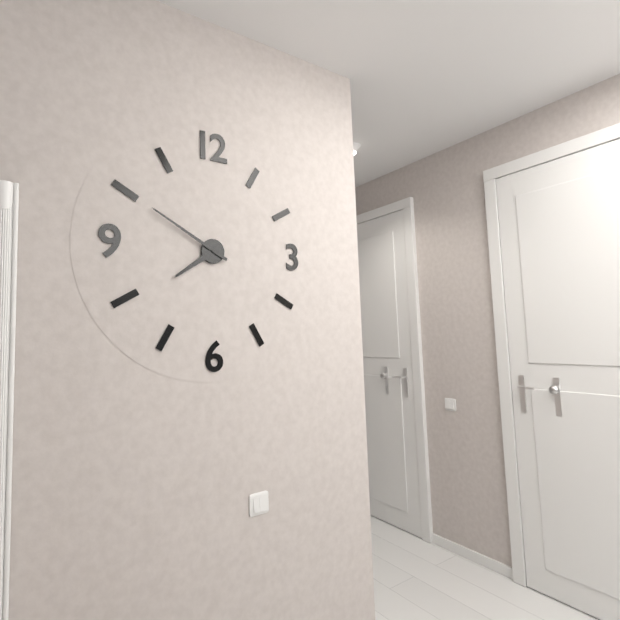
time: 7:50
